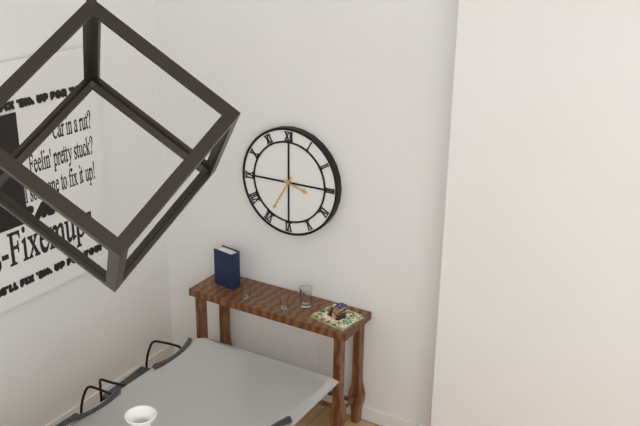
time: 3:35
